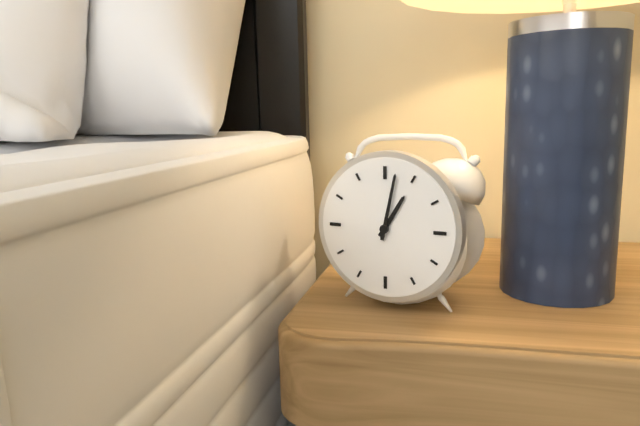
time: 1:02
